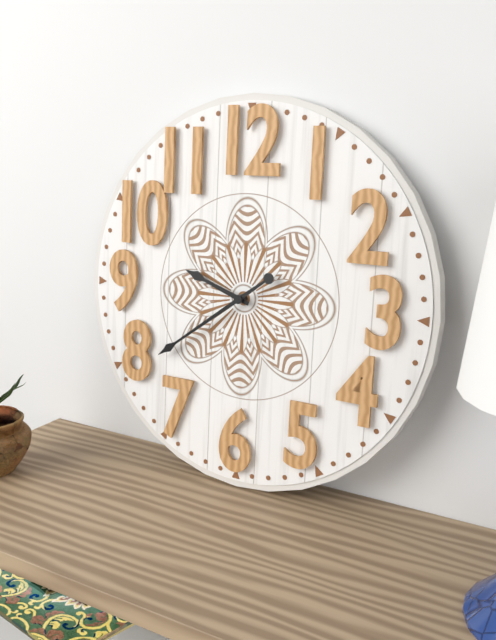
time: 9:39
